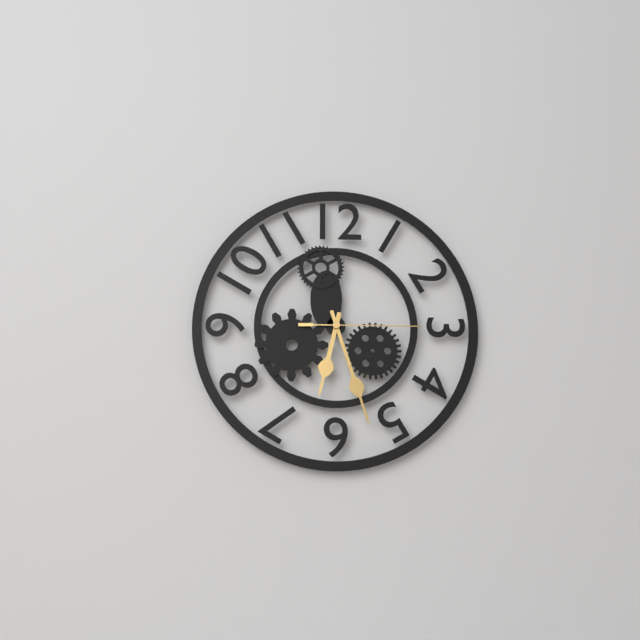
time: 6:27:15
